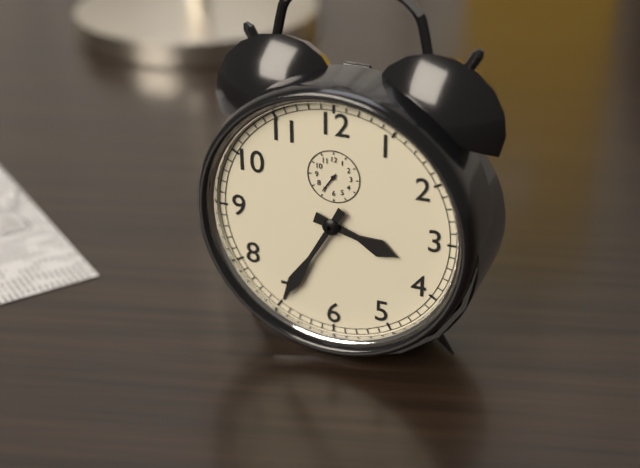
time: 3:35
